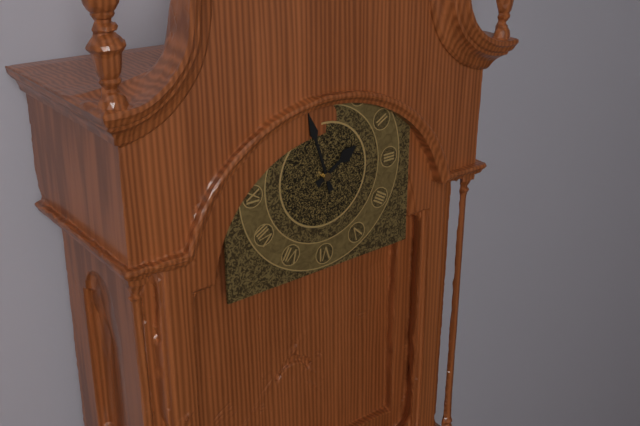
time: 1:57
